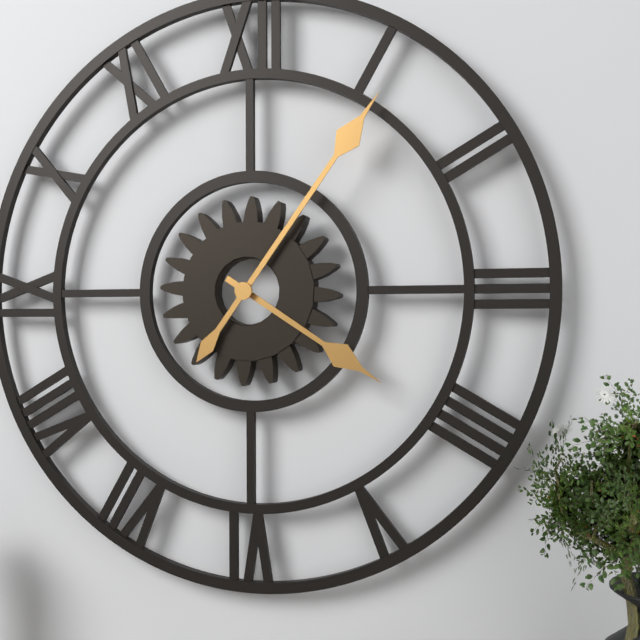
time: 4:06
